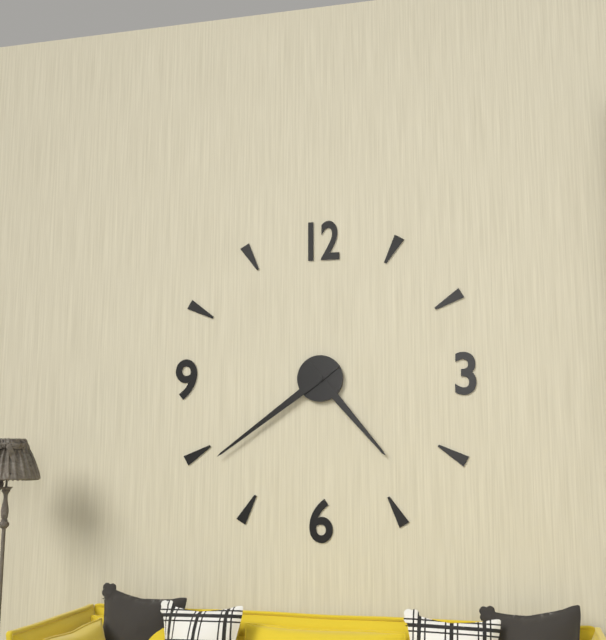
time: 4:39
